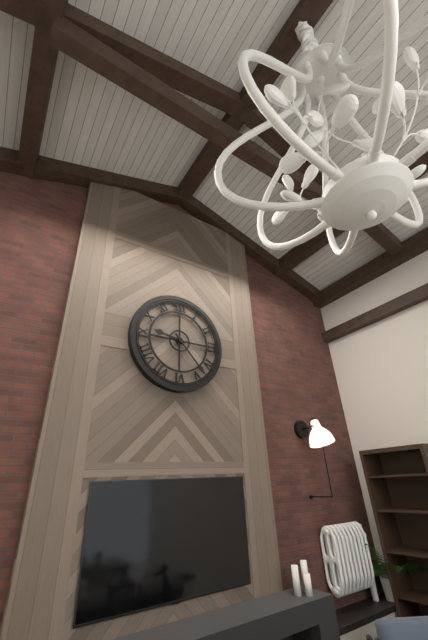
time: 9:23
